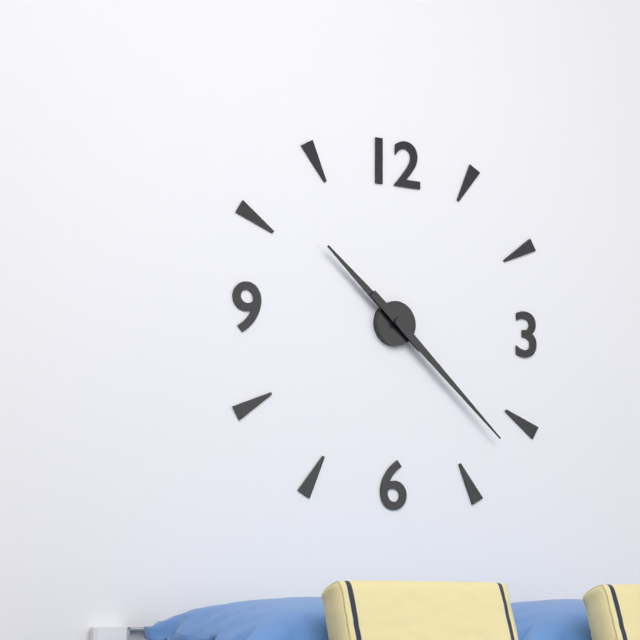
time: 10:22
